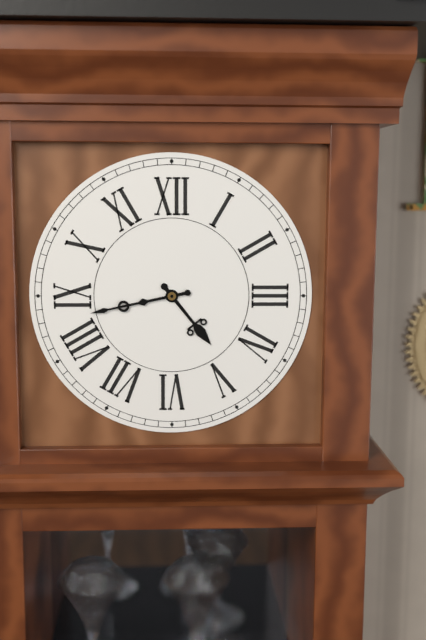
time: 4:43
